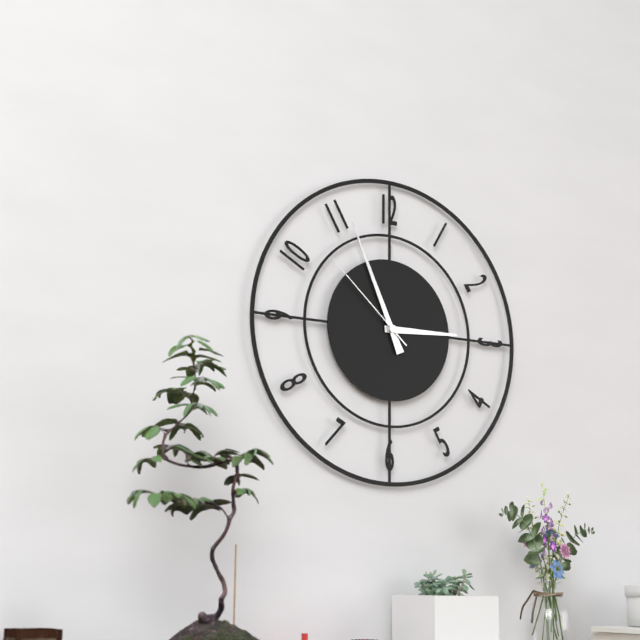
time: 2:56:52
